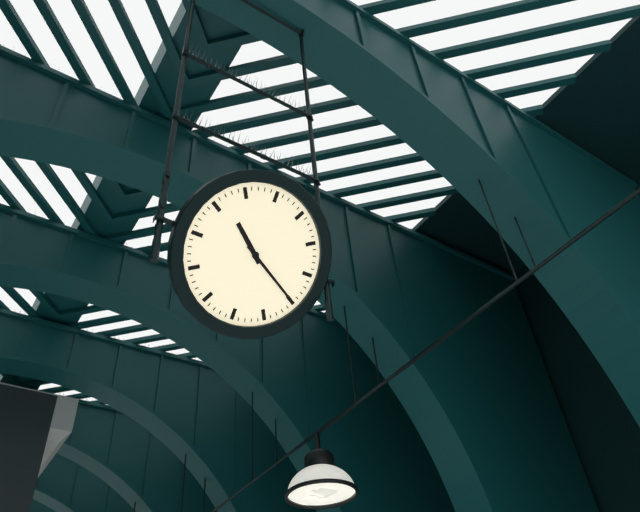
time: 10:20
